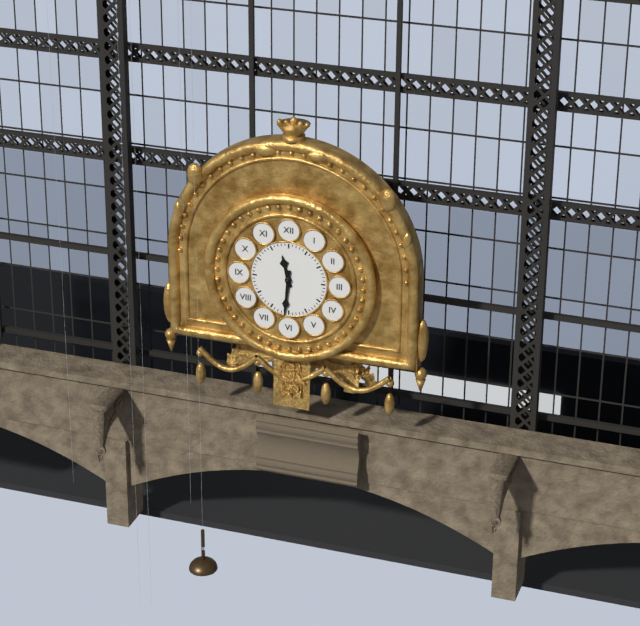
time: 11:31
